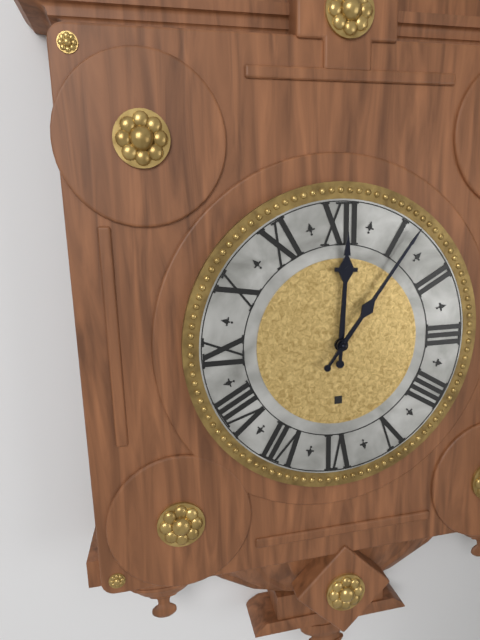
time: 12:06
